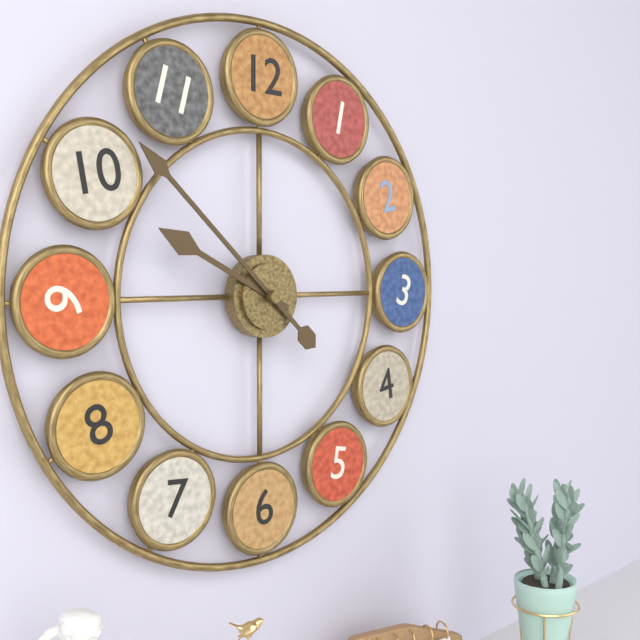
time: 9:52
